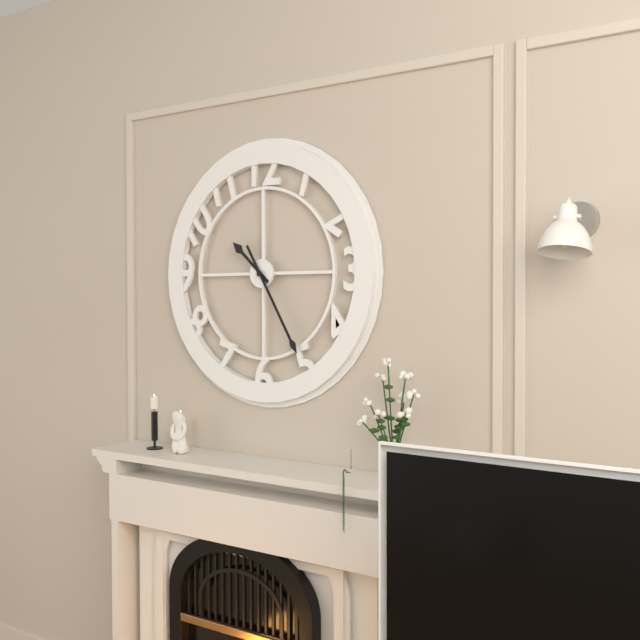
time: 10:25
